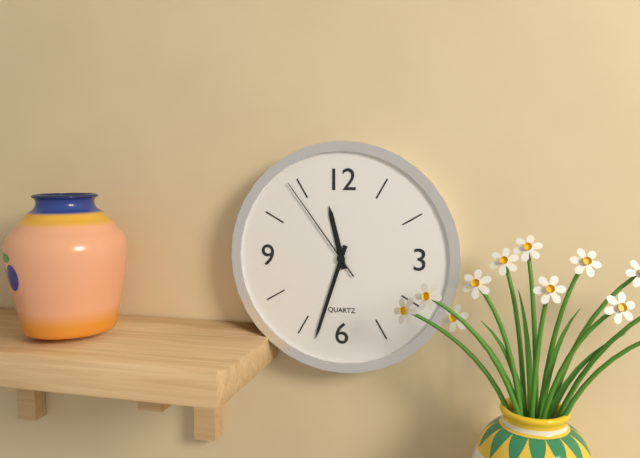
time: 11:33:54
